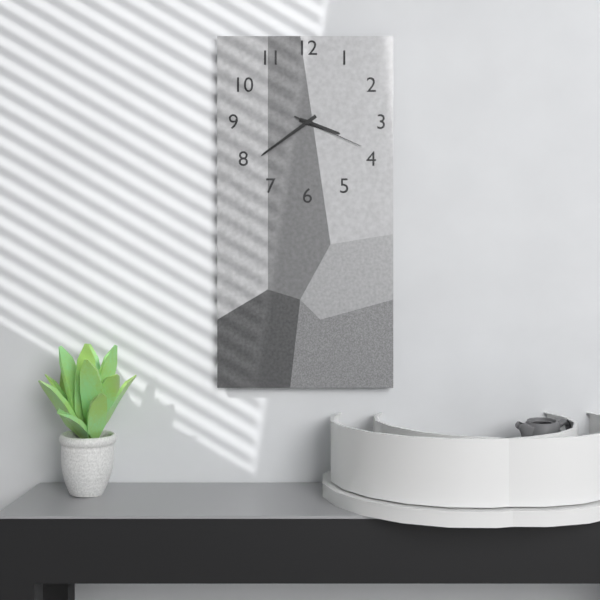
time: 3:39:19
